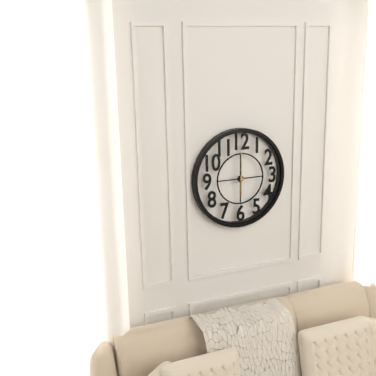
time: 6:00
